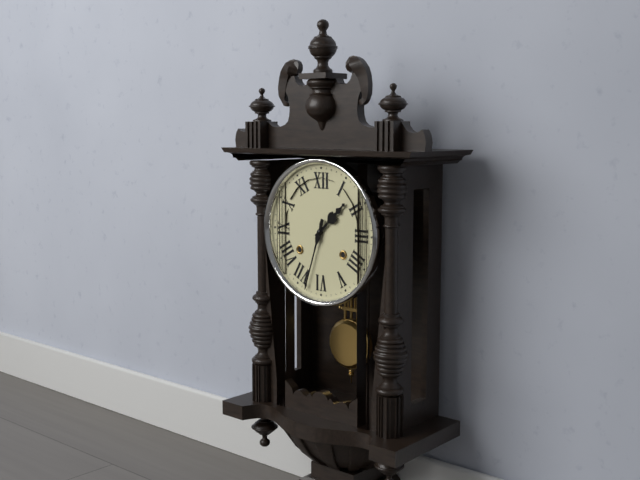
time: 1:33
